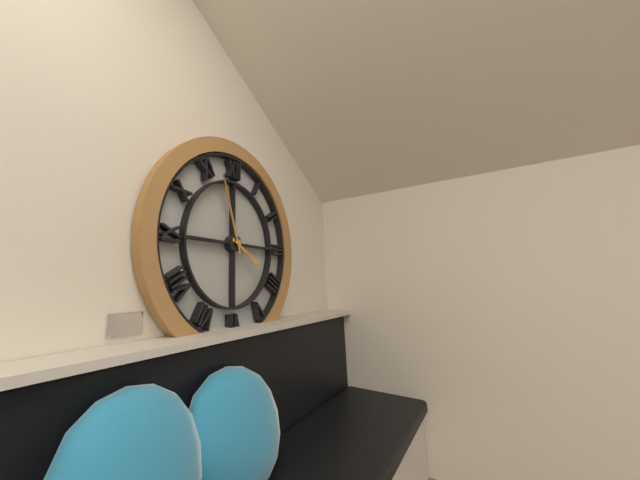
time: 3:57
